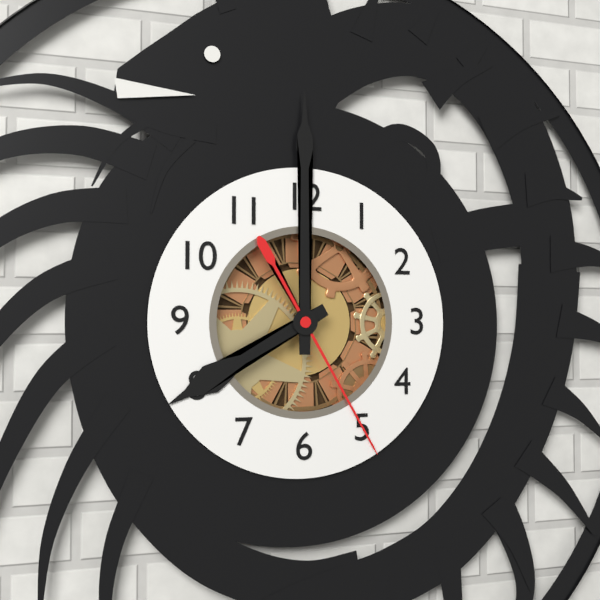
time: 8:00:25
